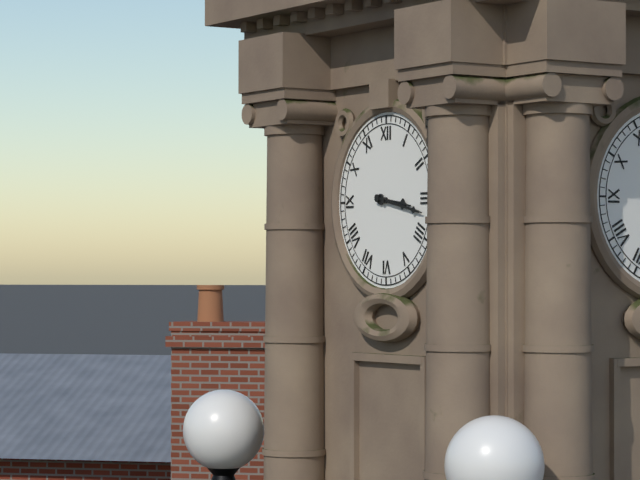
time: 3:17
